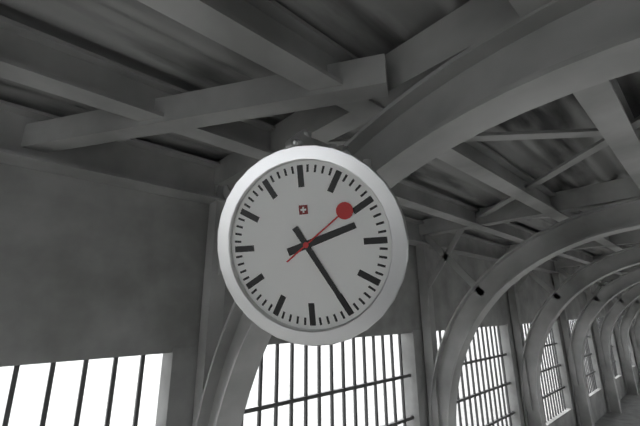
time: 2:25:09
